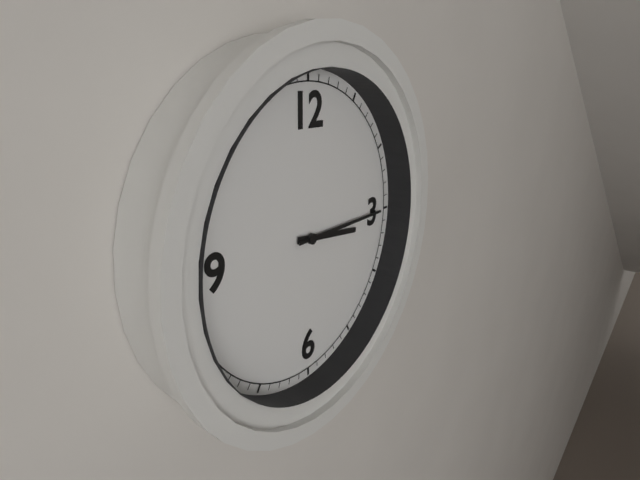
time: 3:15
